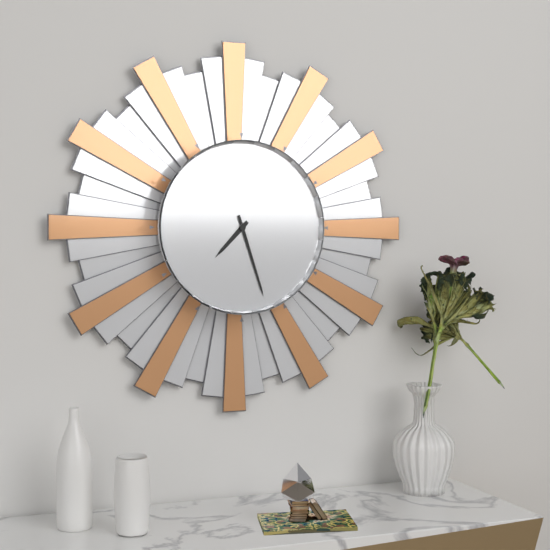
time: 7:27
